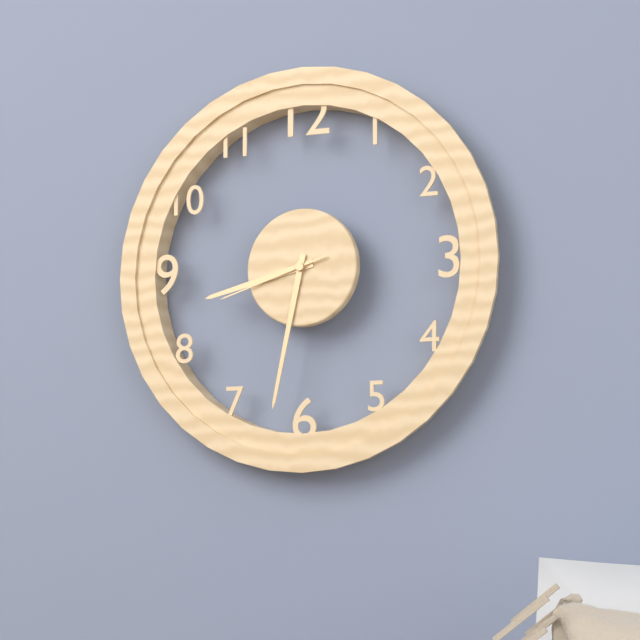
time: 8:32:42
